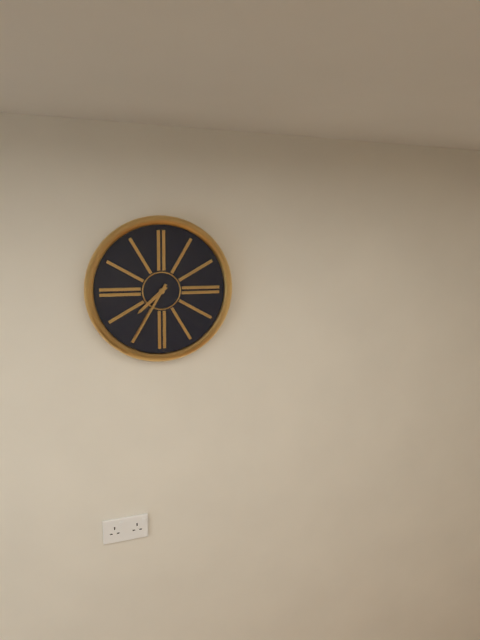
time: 7:35
